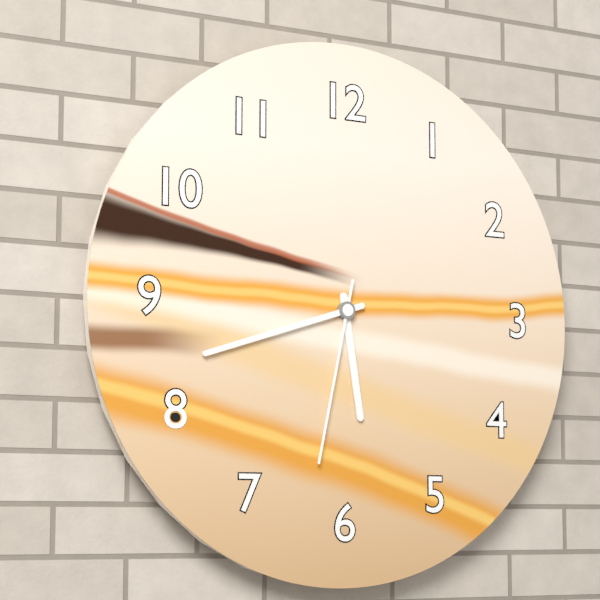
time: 5:42:32
